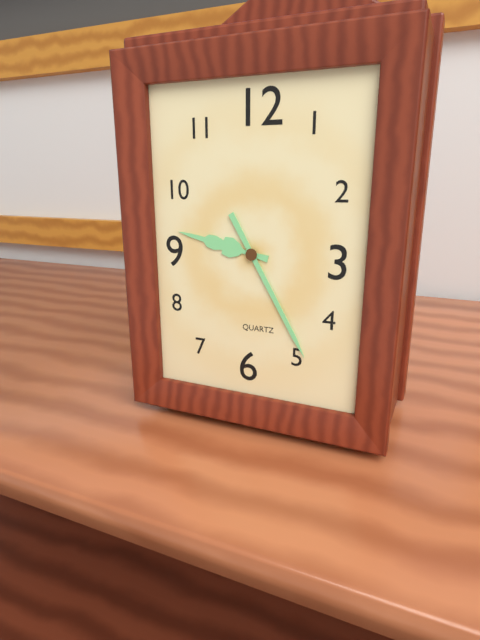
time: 9:25
